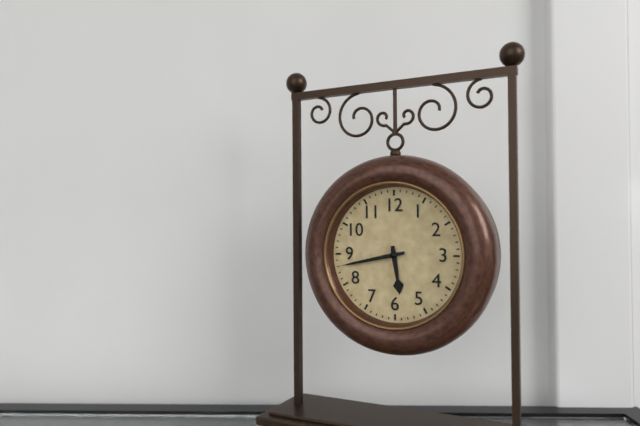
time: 5:43
